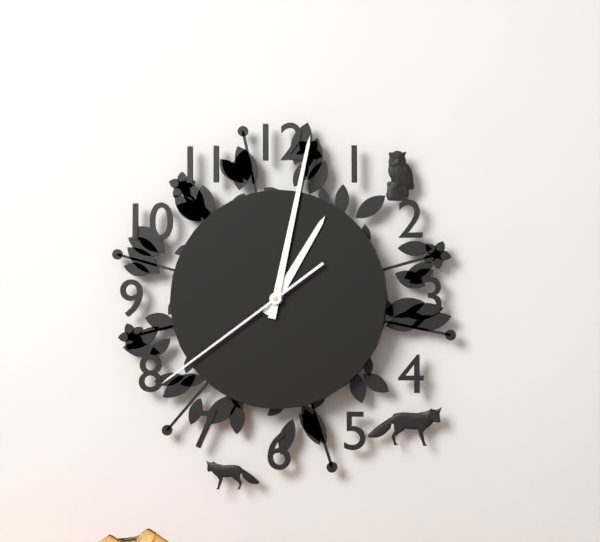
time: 1:02:39
